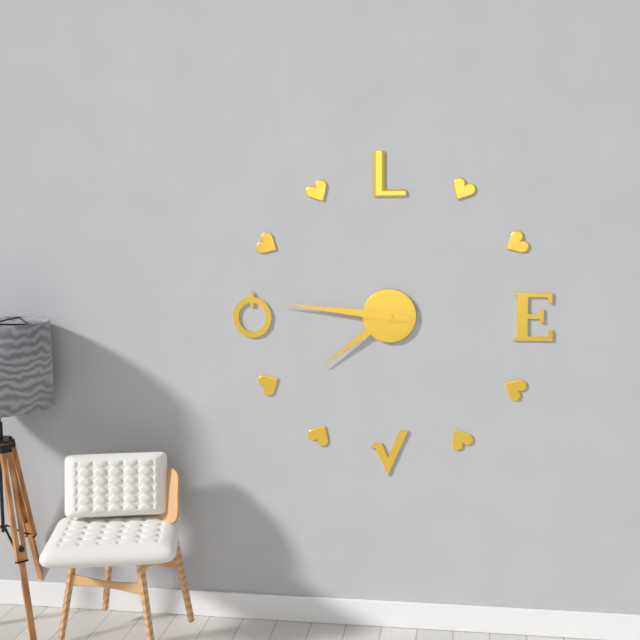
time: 7:46
